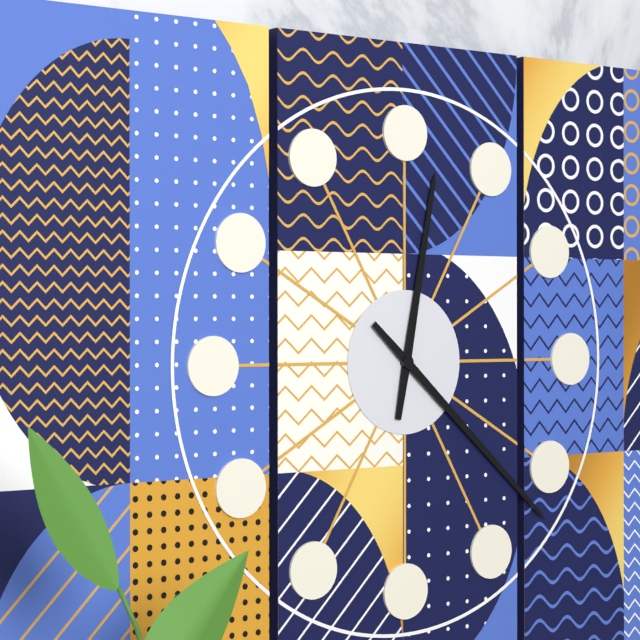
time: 12:22
